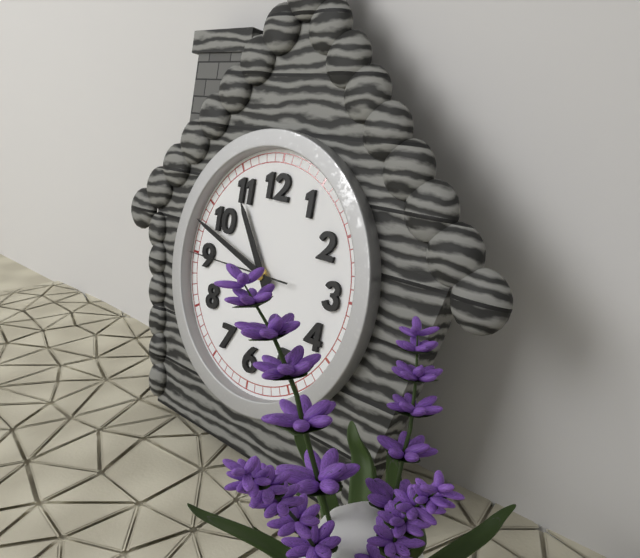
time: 10:48:45
